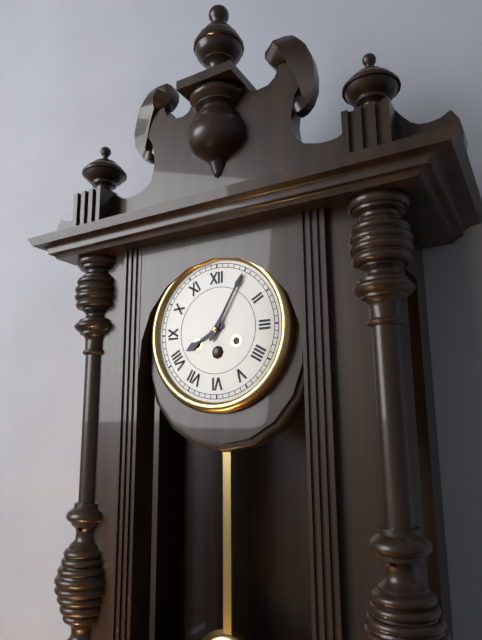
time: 8:05
